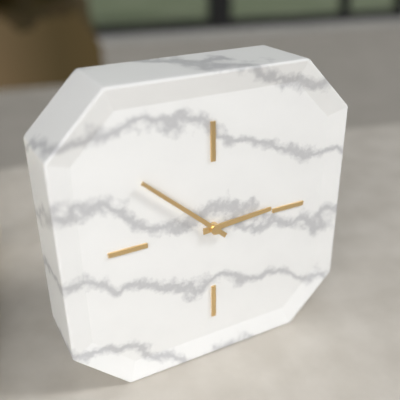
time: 2:52
